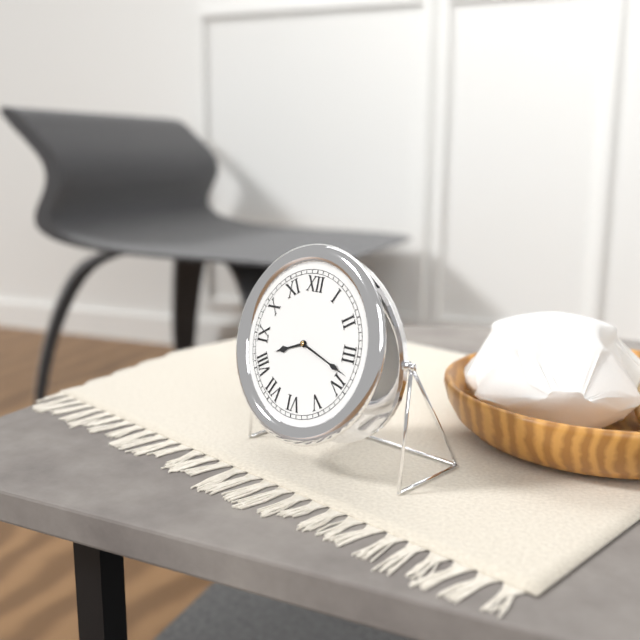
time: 8:18
